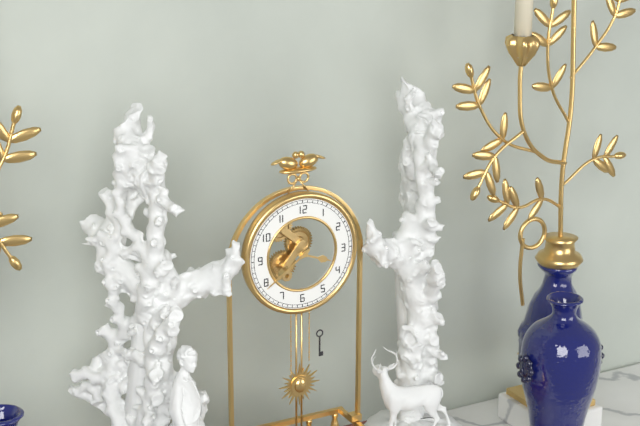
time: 3:39
